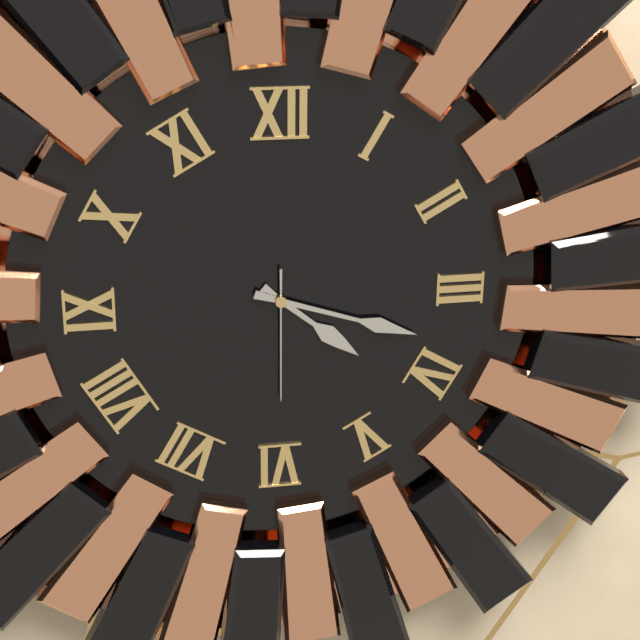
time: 4:18:30
